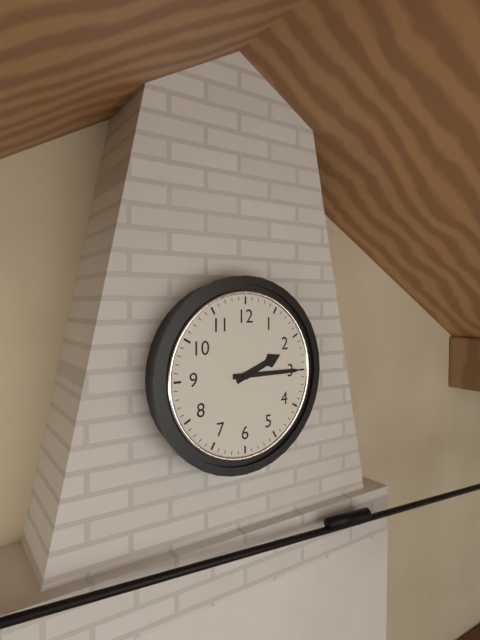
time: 2:15
